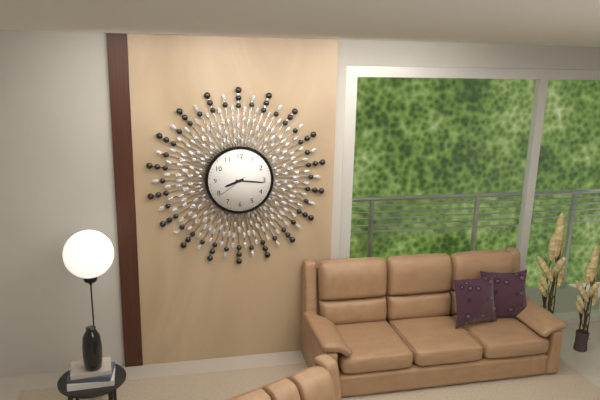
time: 8:16
